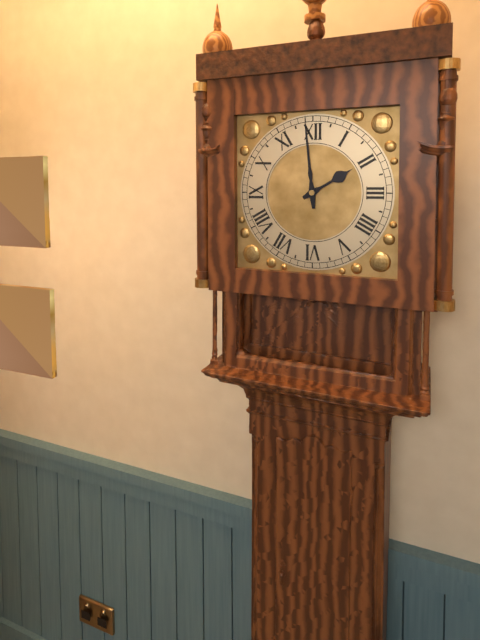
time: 1:59
